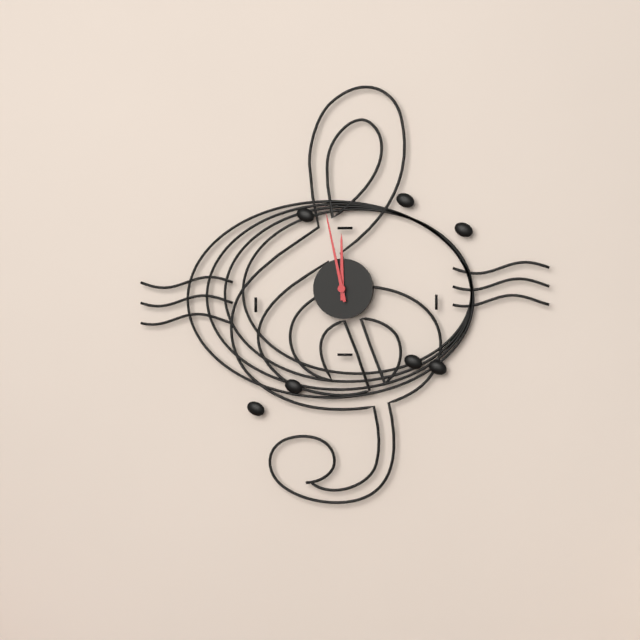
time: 11:58
